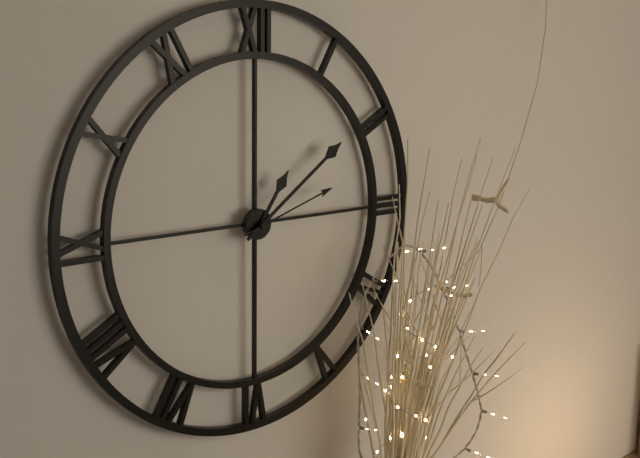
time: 1:09:12
